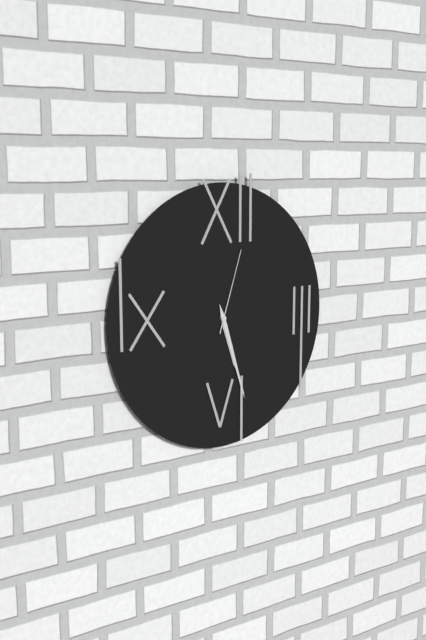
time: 5:27:03
